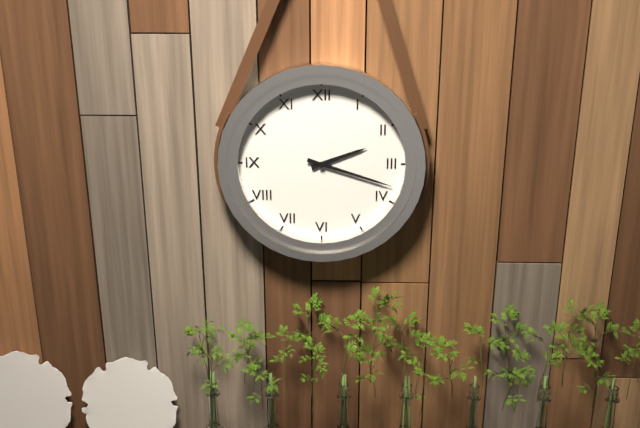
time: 2:18
